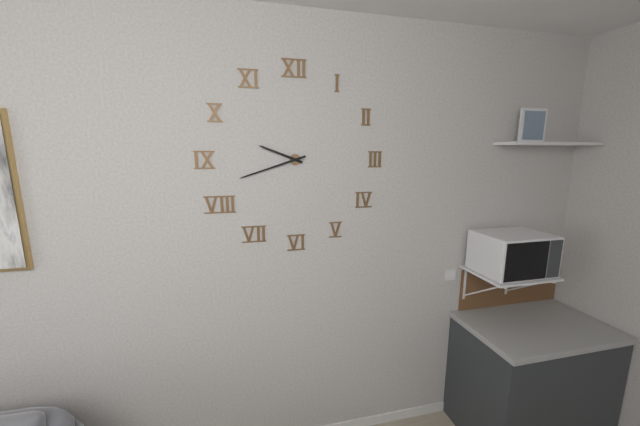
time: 9:42
